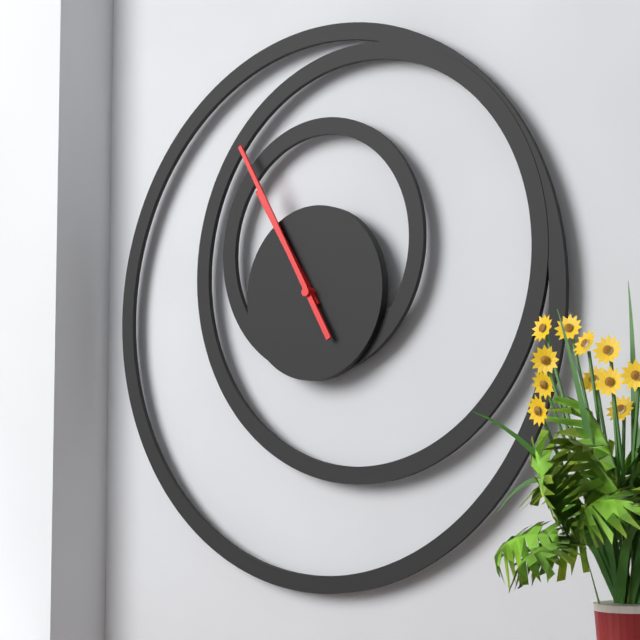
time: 10:55
